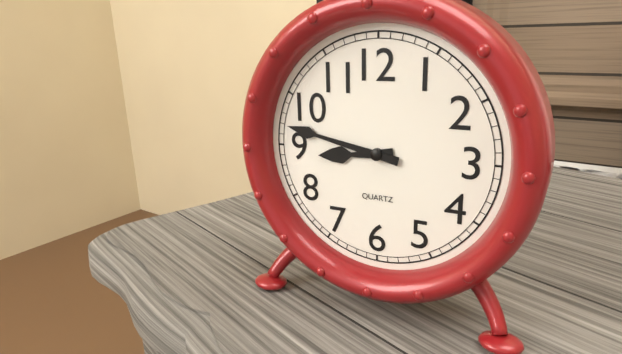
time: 8:47
